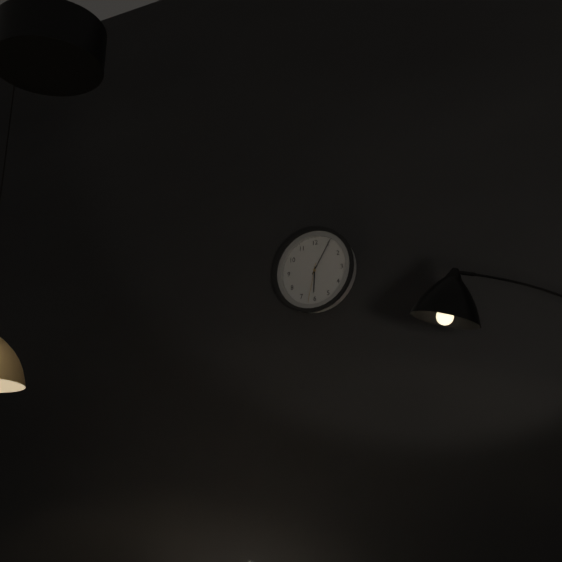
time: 6:05
